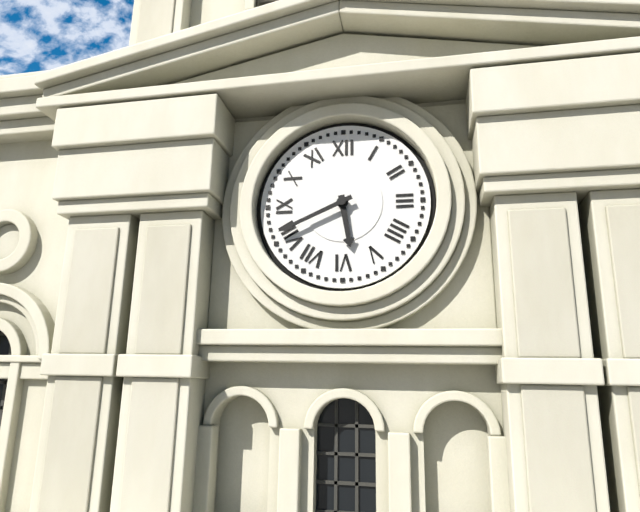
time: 5:41
